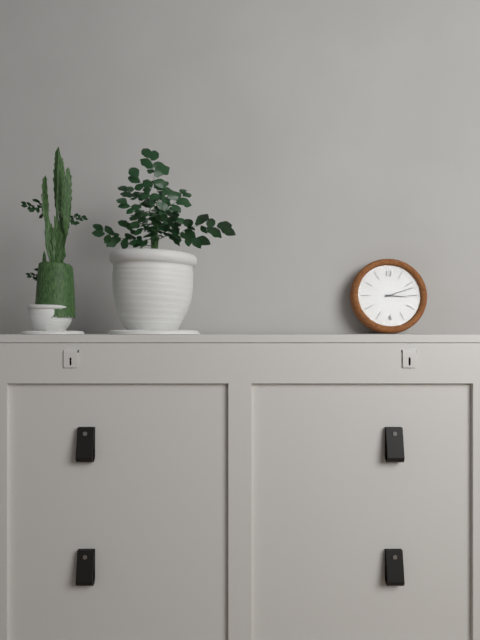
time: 3:12
